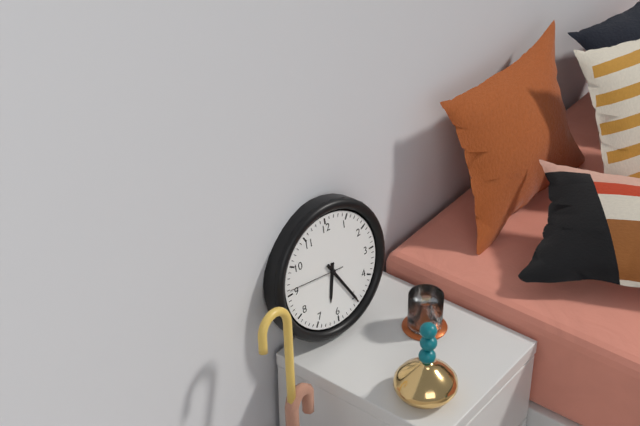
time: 6:25:46
